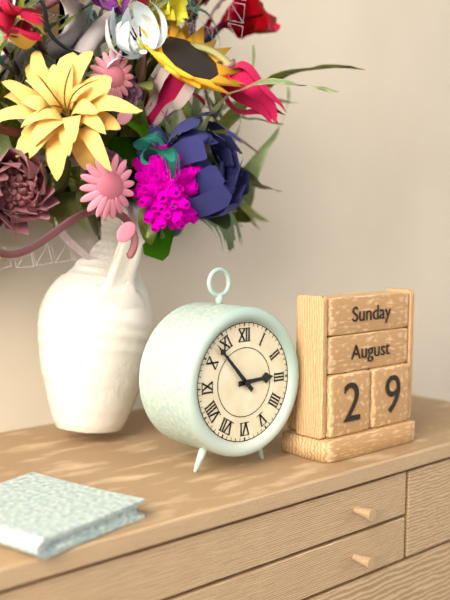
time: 2:53
